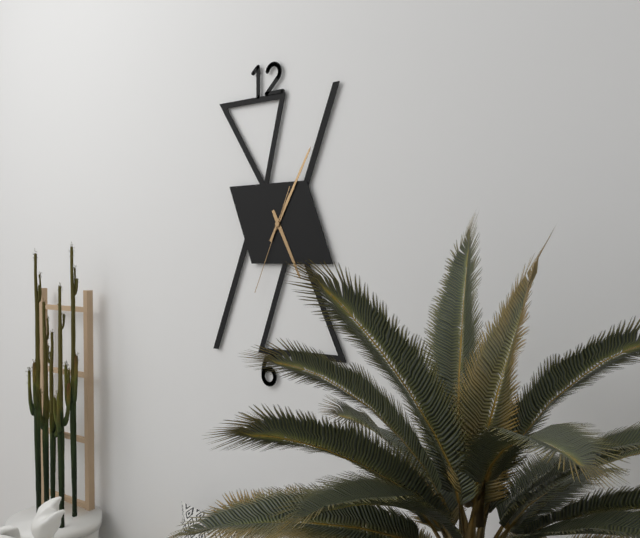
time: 5:05:34
